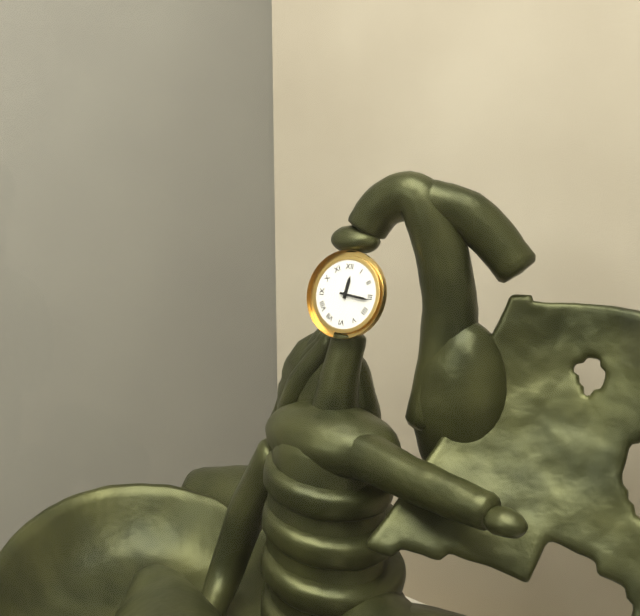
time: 12:16
